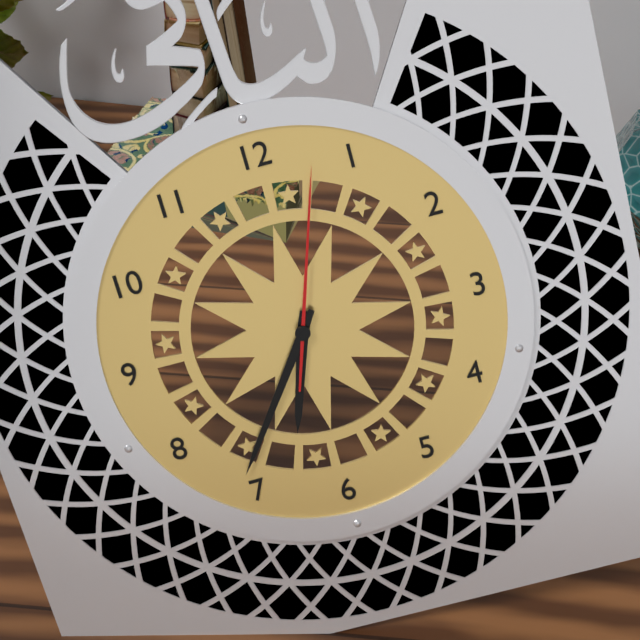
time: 6:36:03
